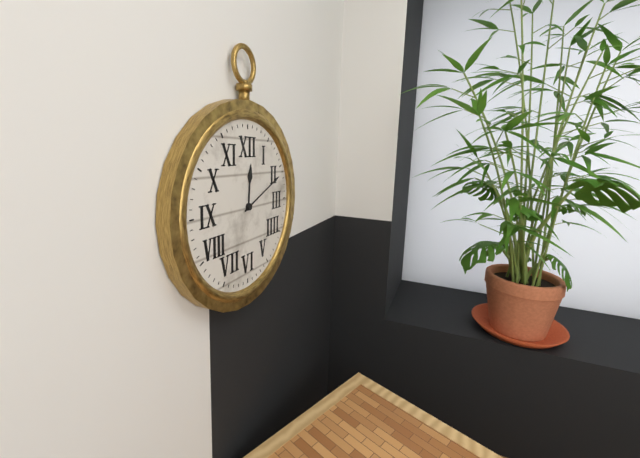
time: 12:11
